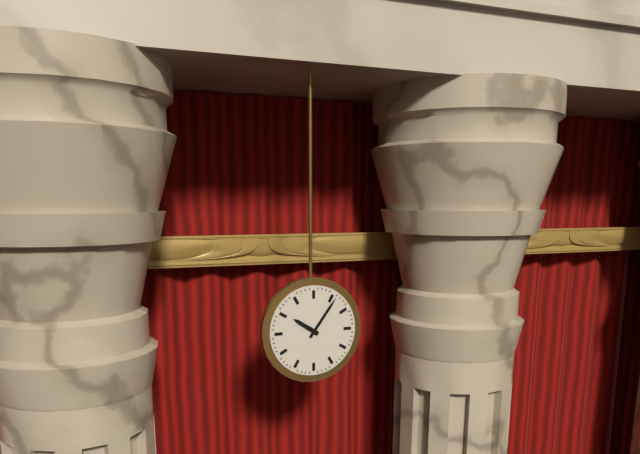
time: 10:06
